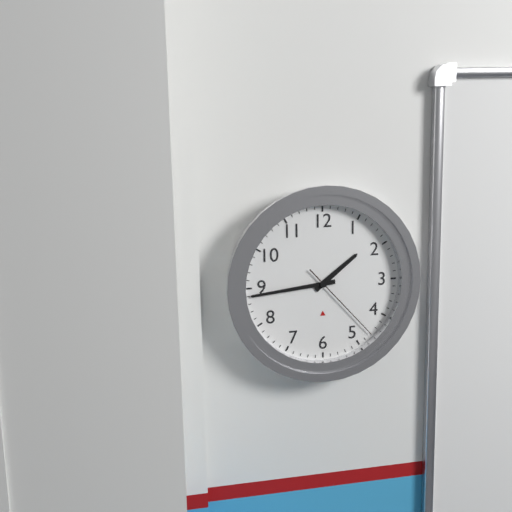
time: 1:44:23
